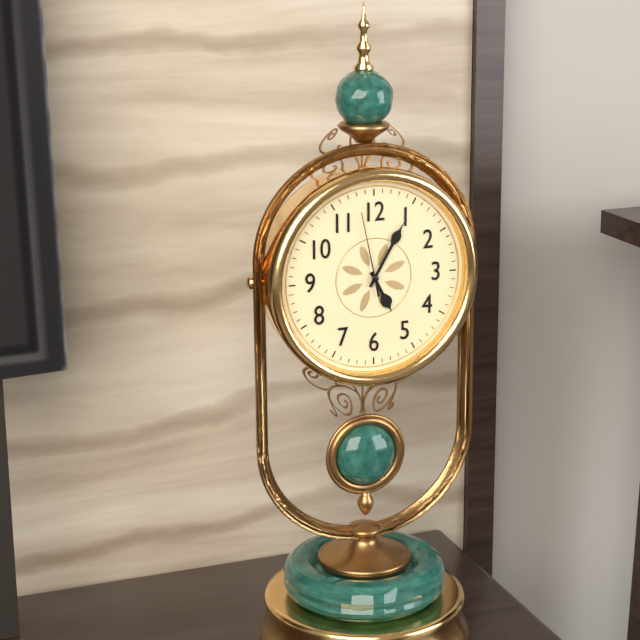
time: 5:05:58
